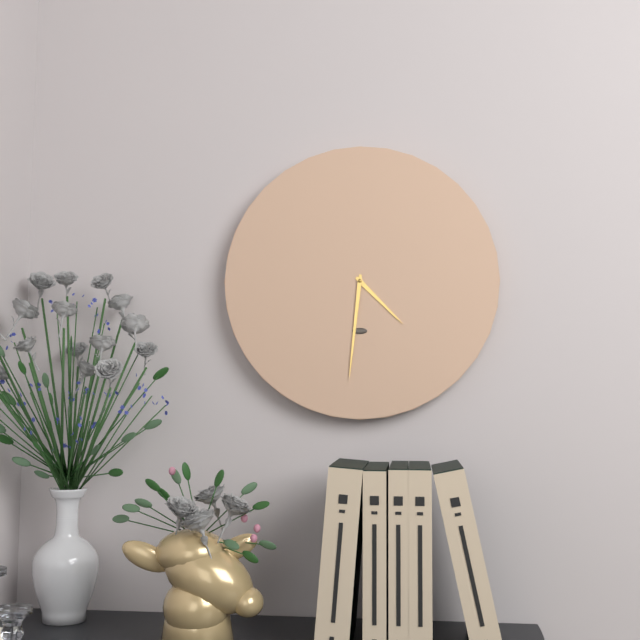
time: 4:31
